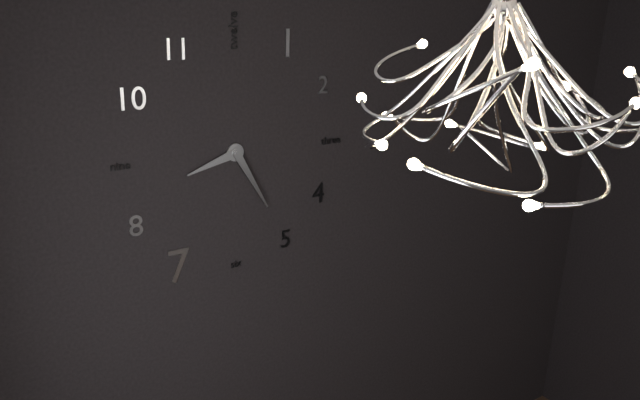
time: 8:25
